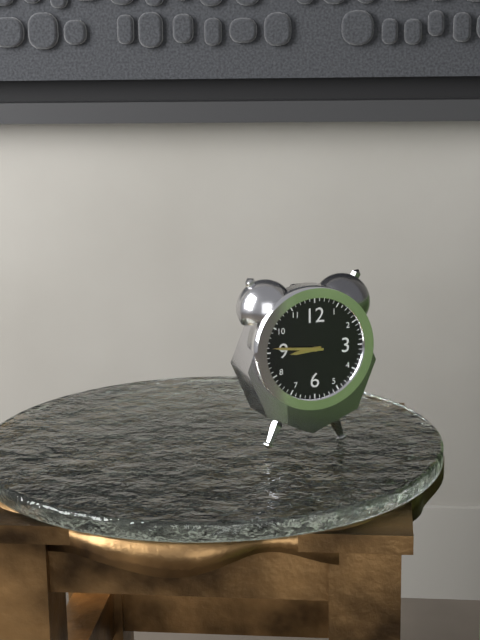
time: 8:46
